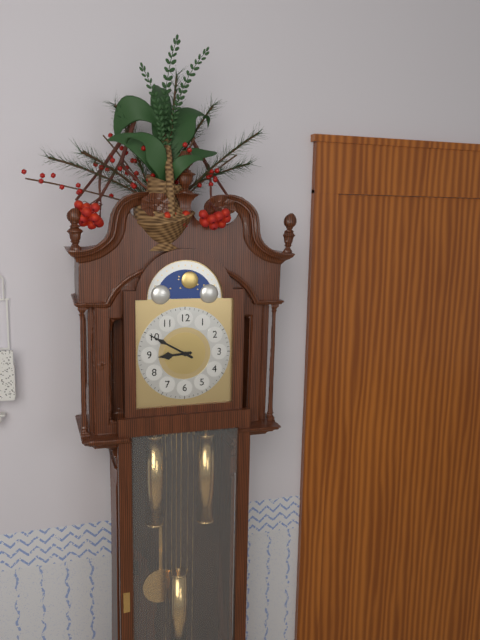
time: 8:50
